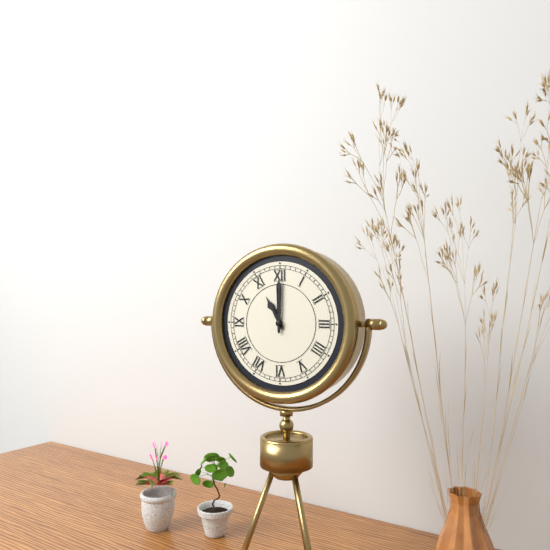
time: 11:00
